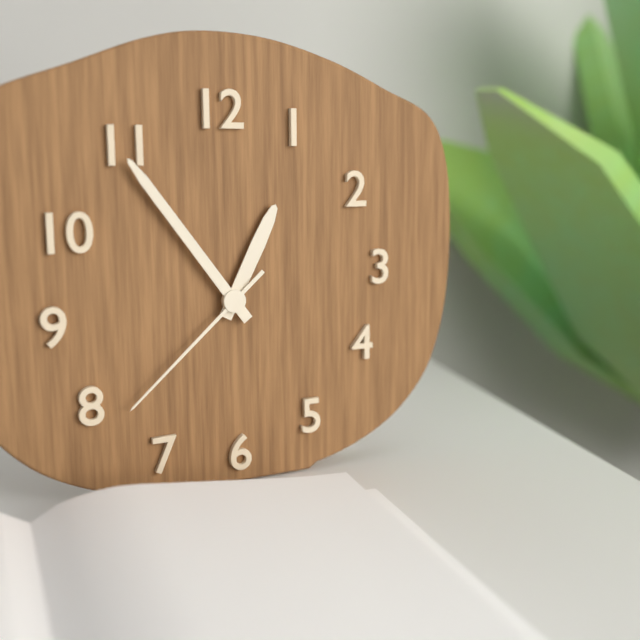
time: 12:54:38
